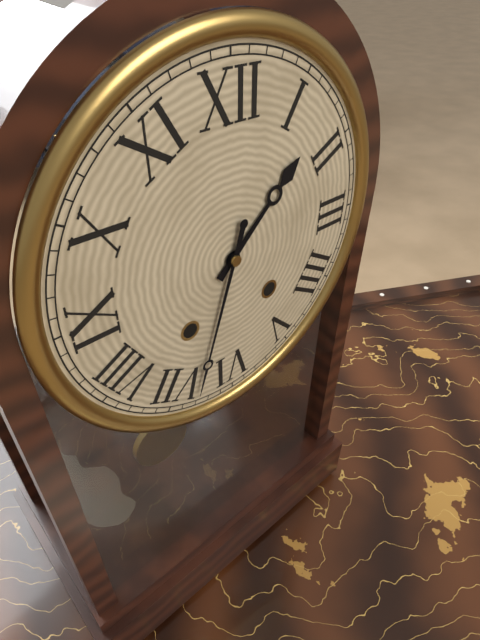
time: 1:33
